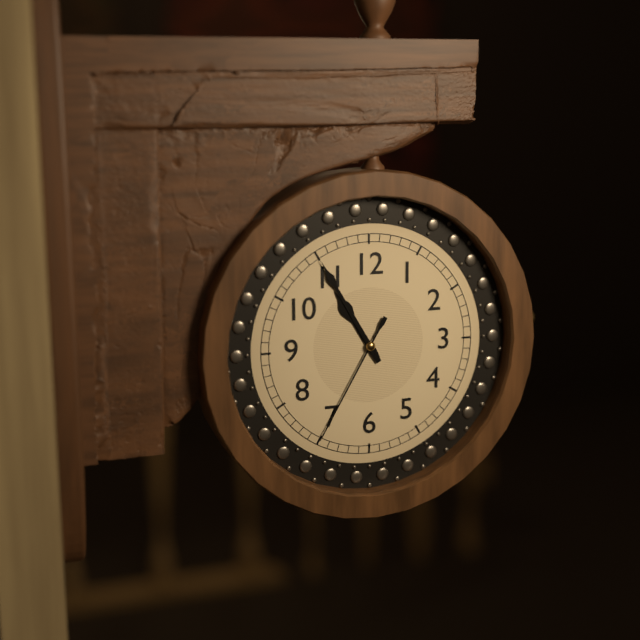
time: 10:55:35
